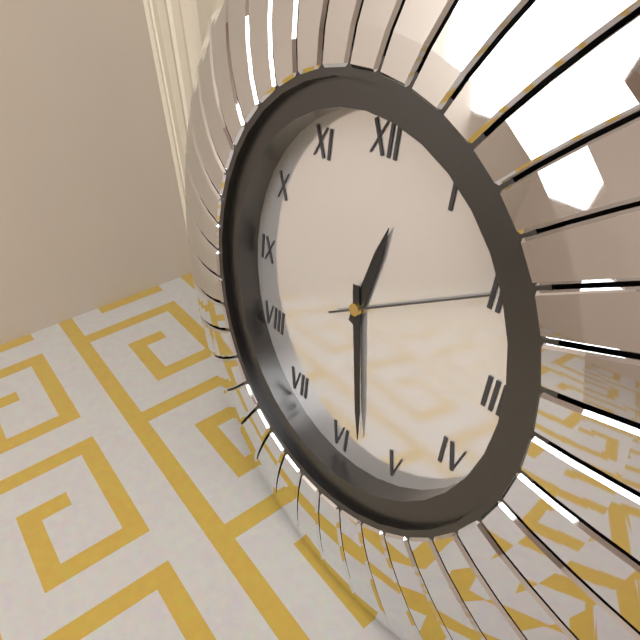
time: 12:28:10
